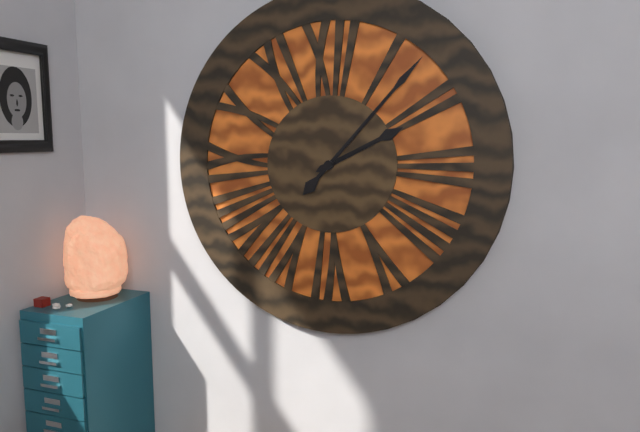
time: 2:07
